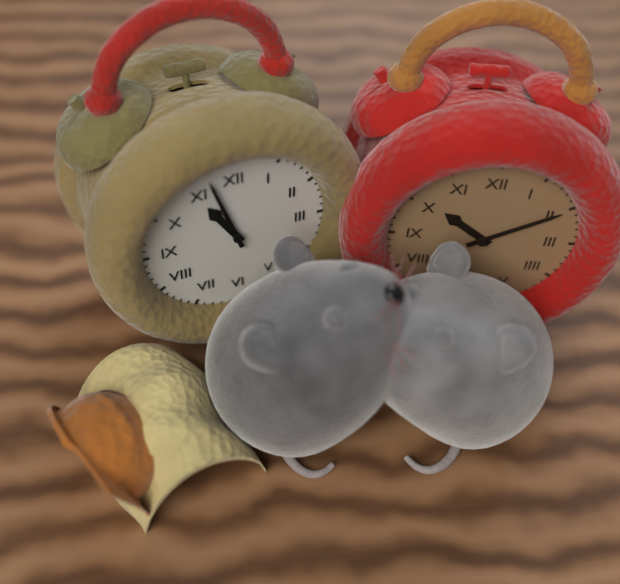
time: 10:57
